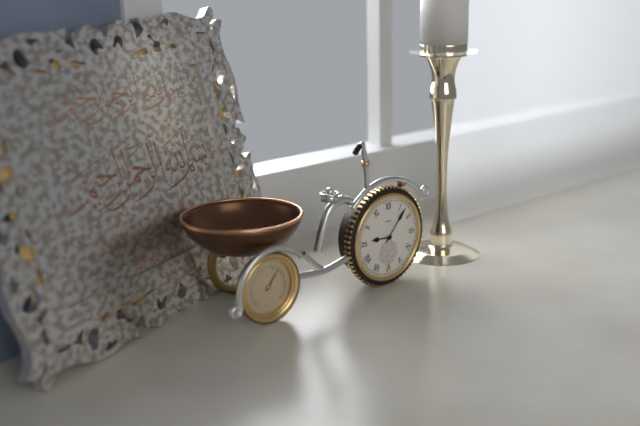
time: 9:07
